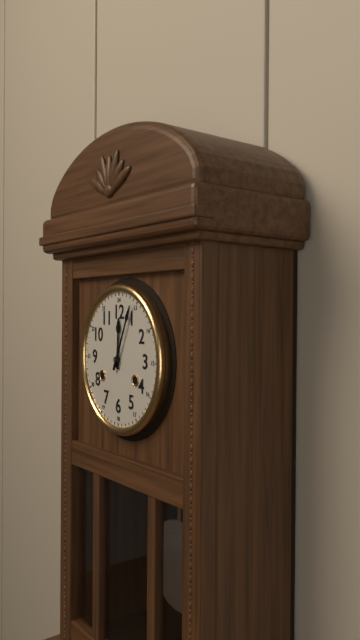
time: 12:04
